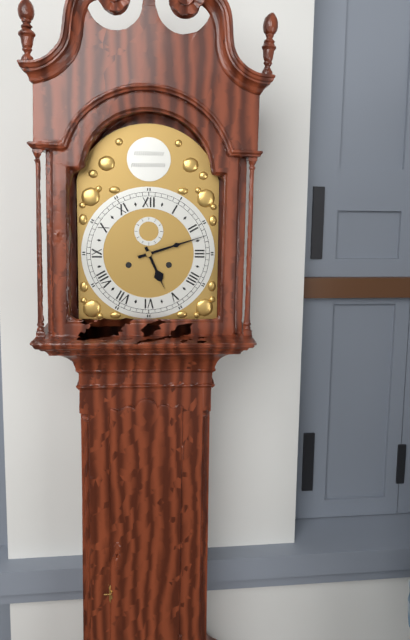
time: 5:12
